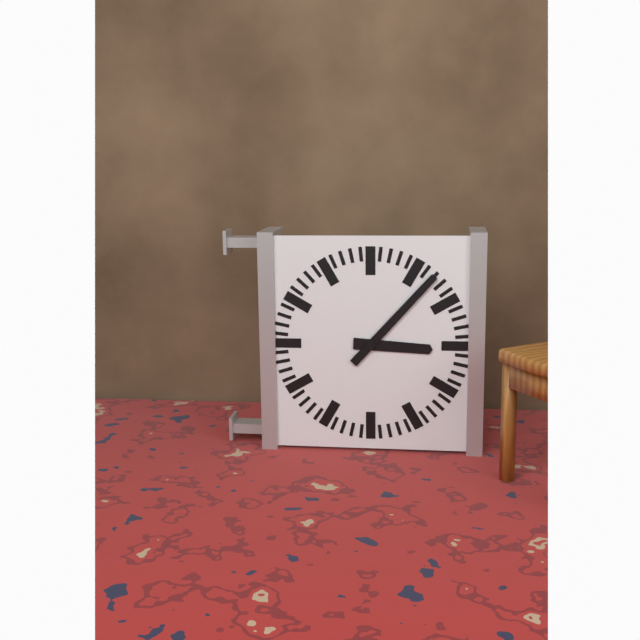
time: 3:07
